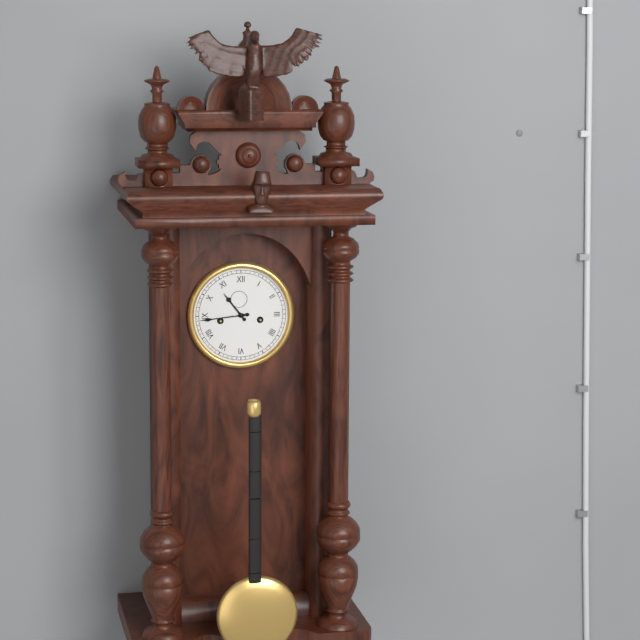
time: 10:44
